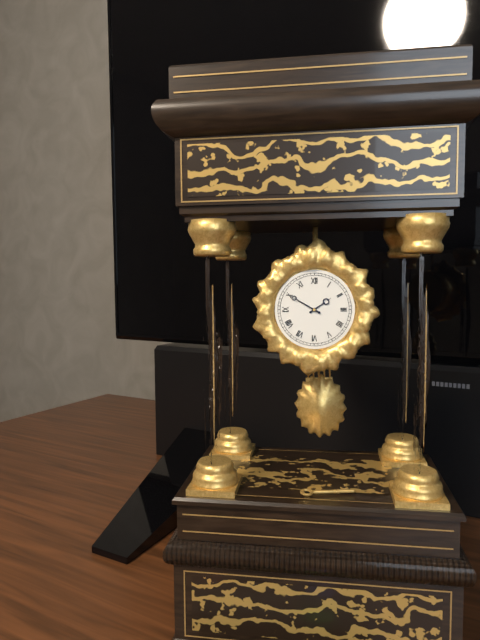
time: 1:50
